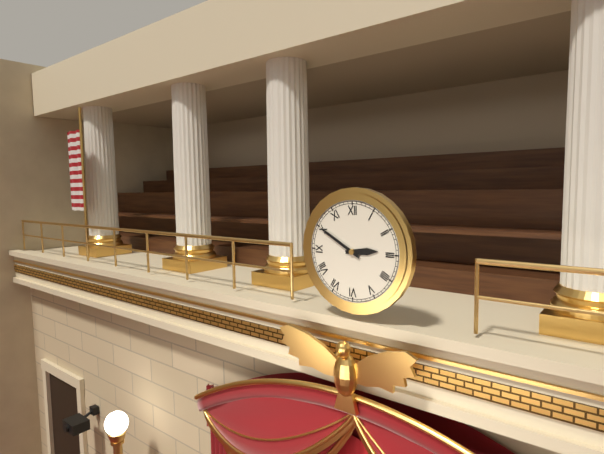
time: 2:50
